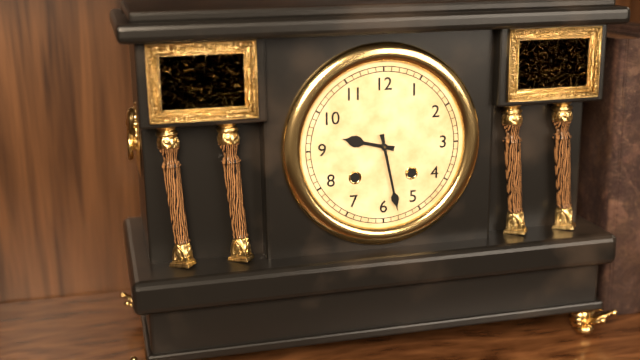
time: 9:28
